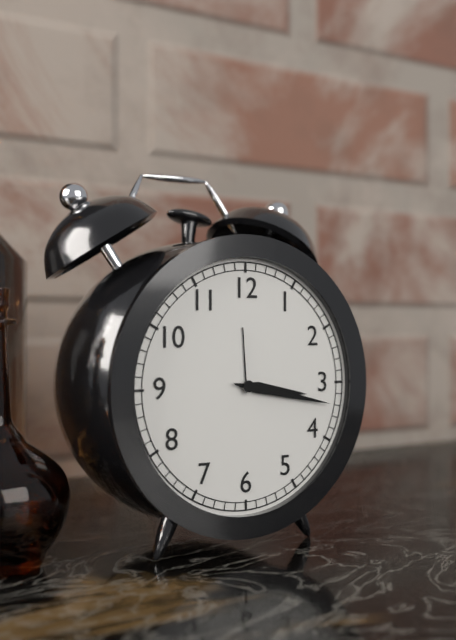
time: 3:17
